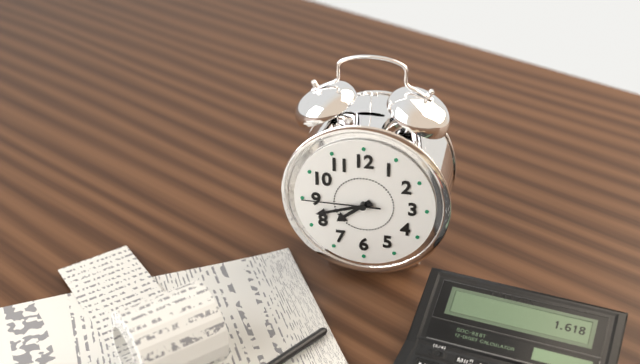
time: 7:42:45
